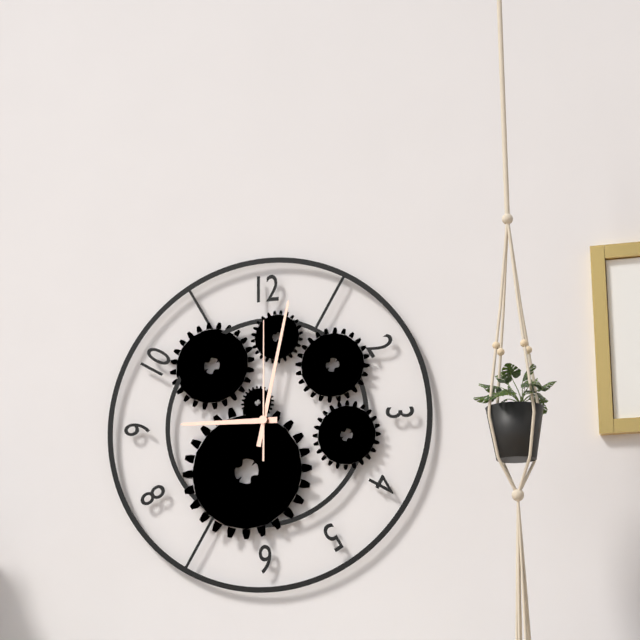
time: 9:02:00
